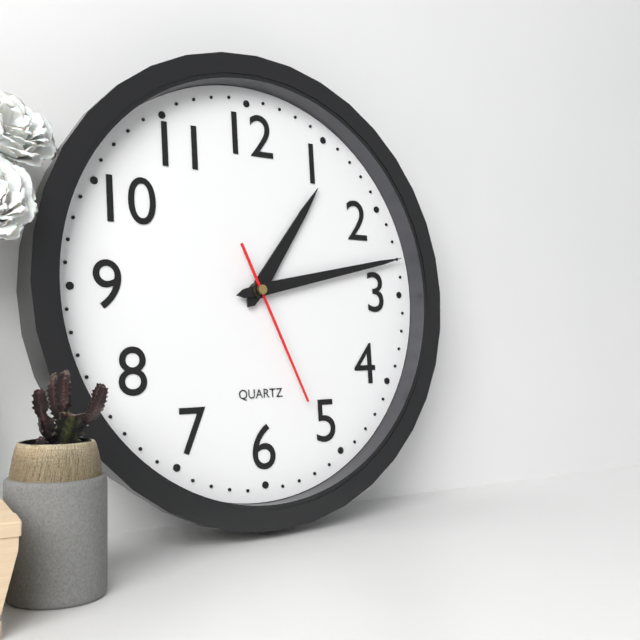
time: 1:13:26
